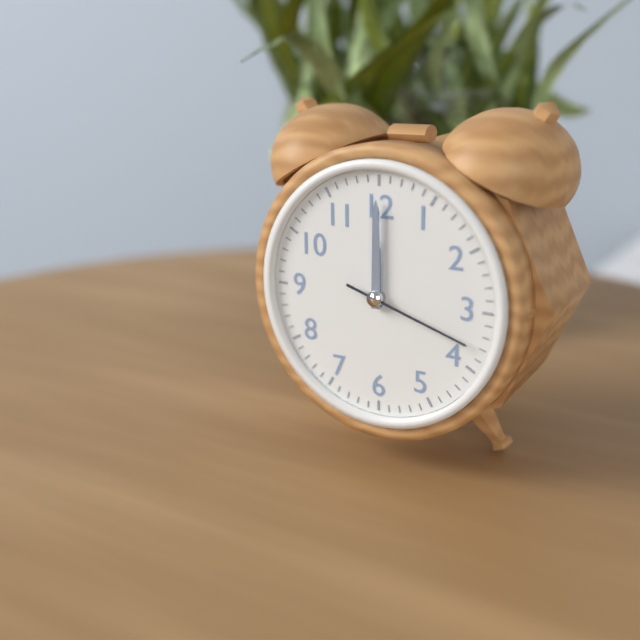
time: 12:00:18
